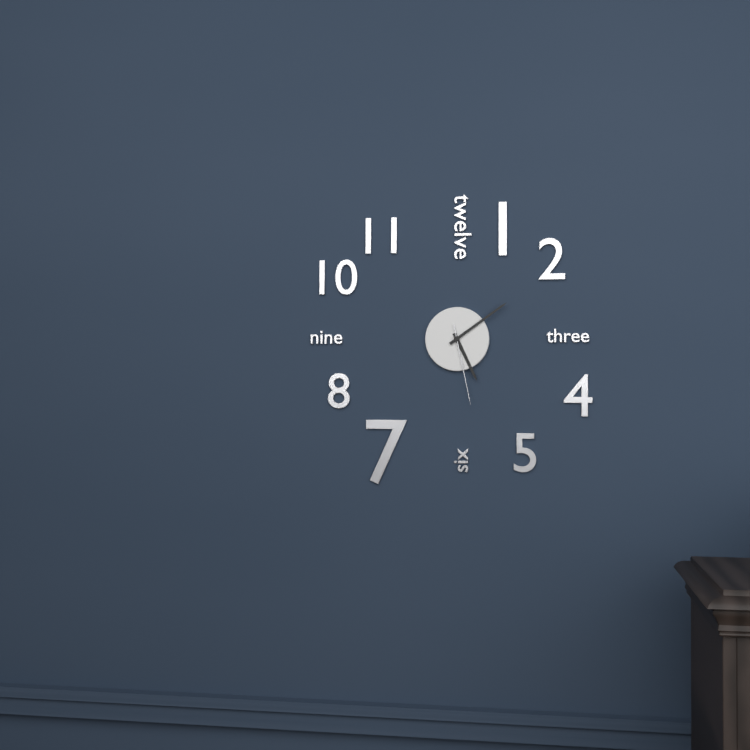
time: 5:09:28
